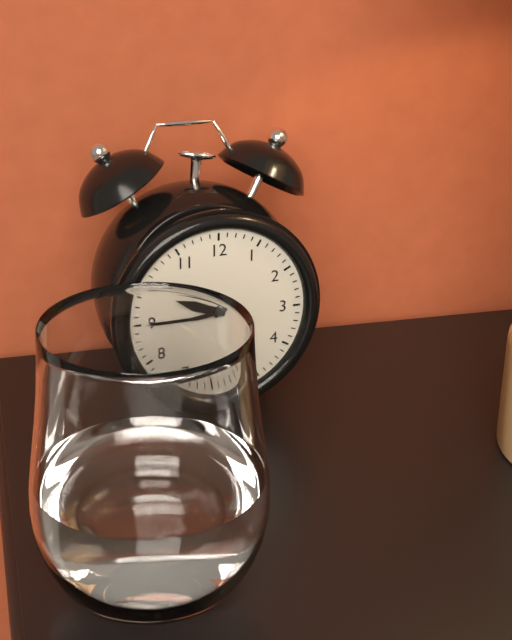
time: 9:45
